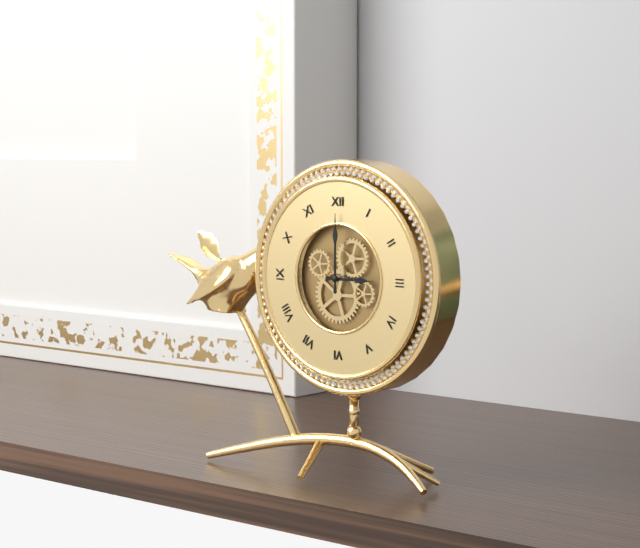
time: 3:00
